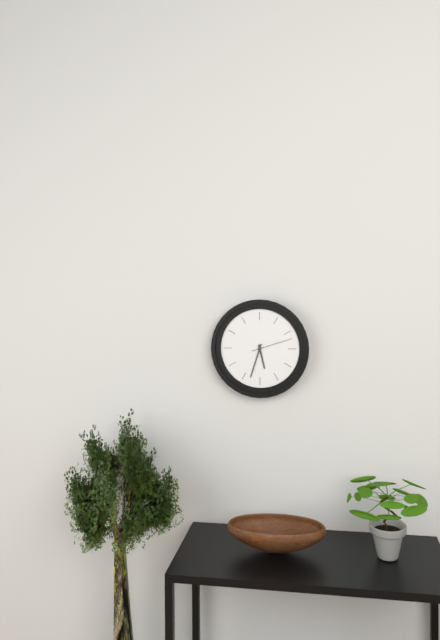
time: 5:33
